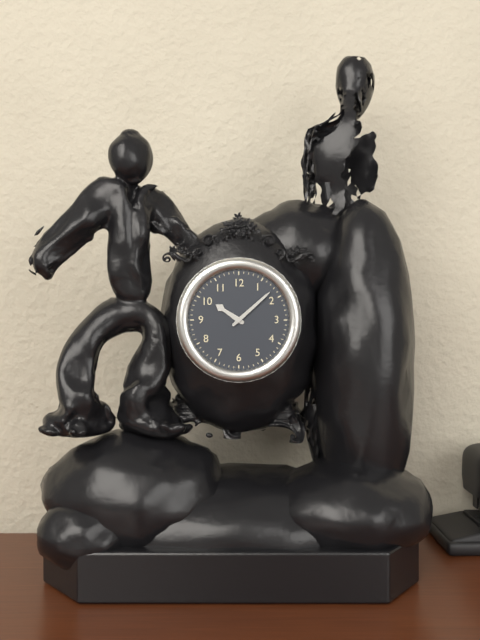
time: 10:08
